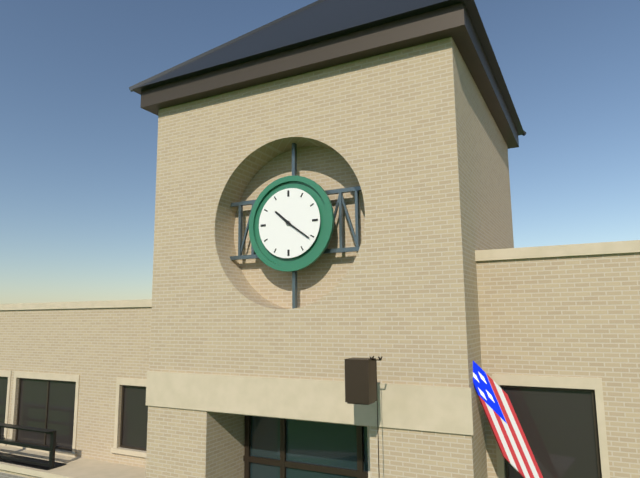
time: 10:21
